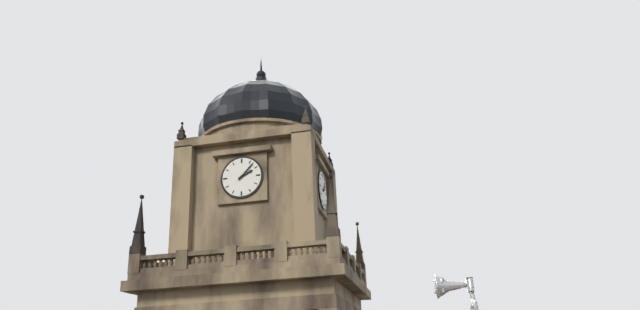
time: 2:07
